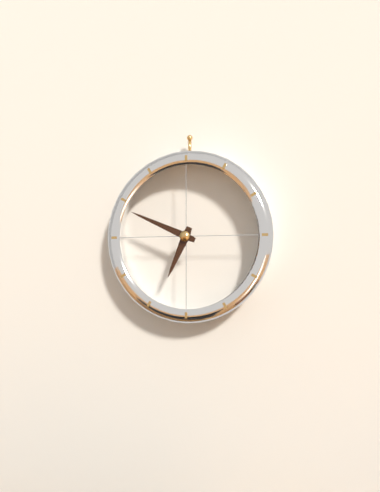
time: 6:49
